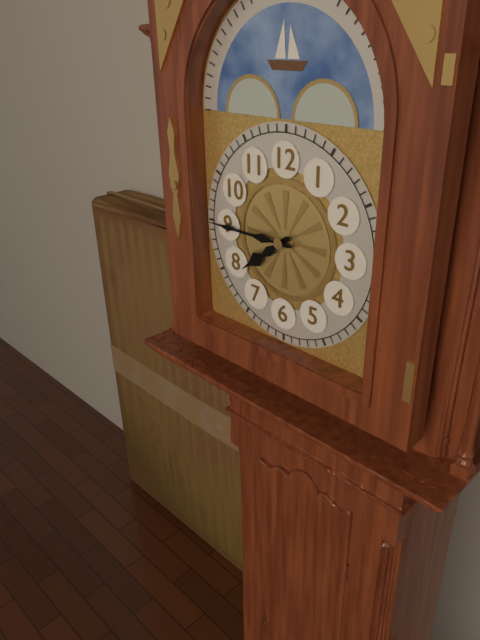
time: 7:45
